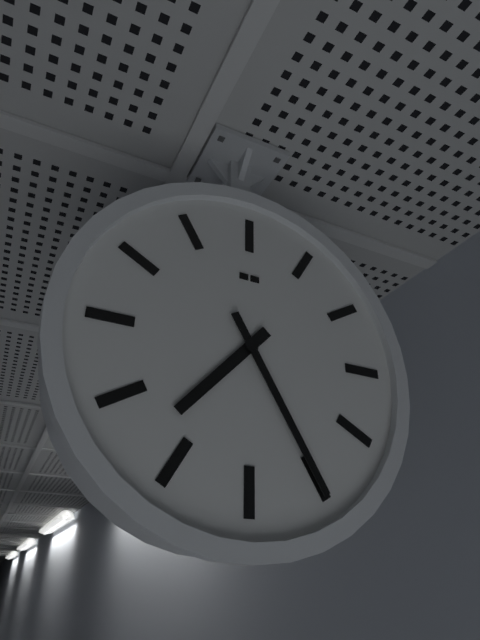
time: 7:25
